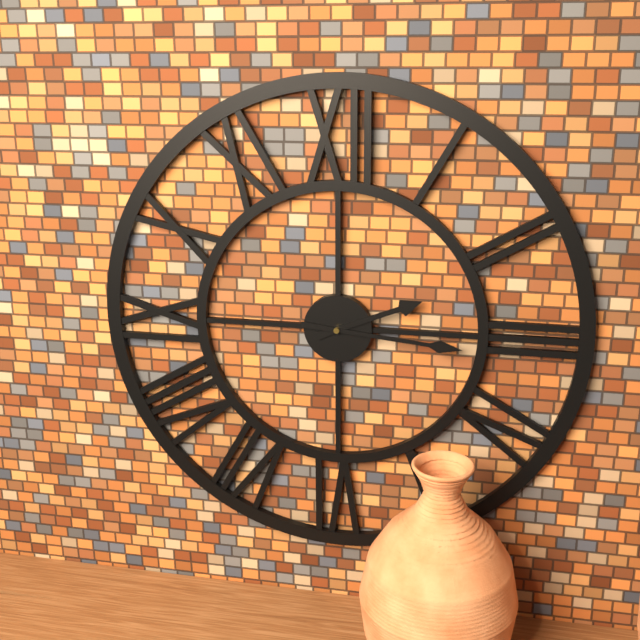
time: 2:16
